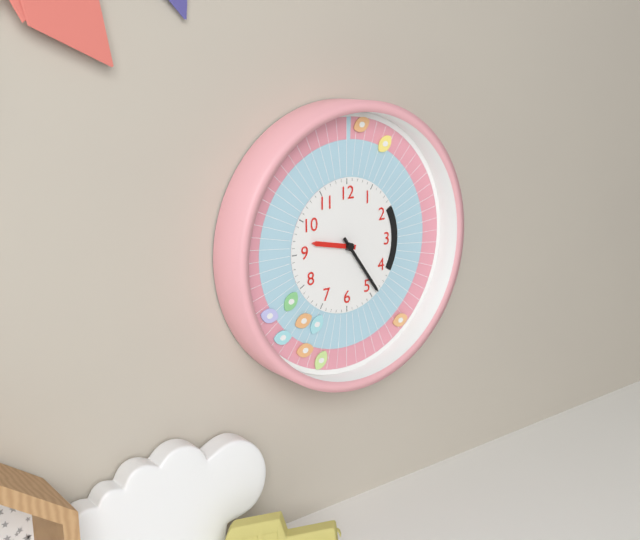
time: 9:24
